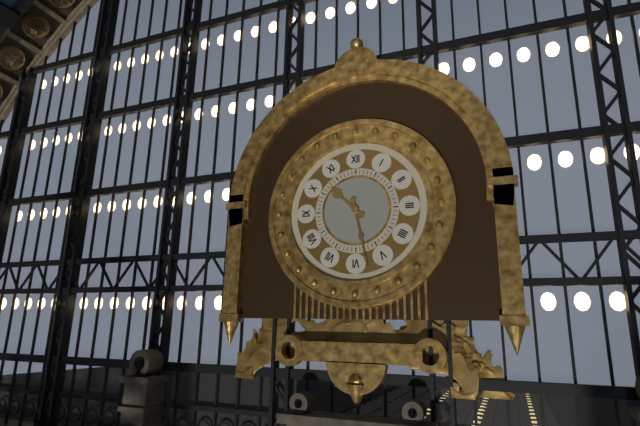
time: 10:28
